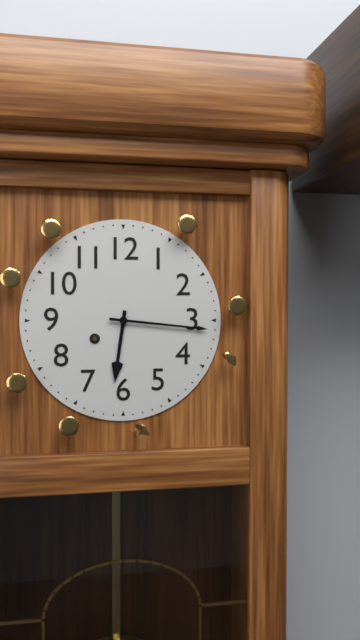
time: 6:16
